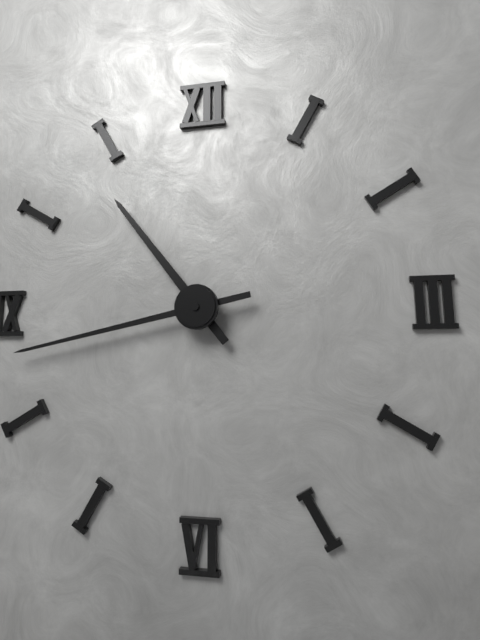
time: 10:43
